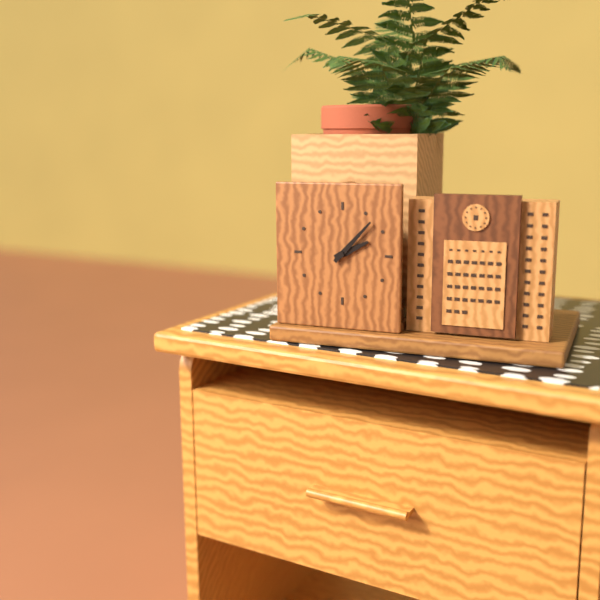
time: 2:07
